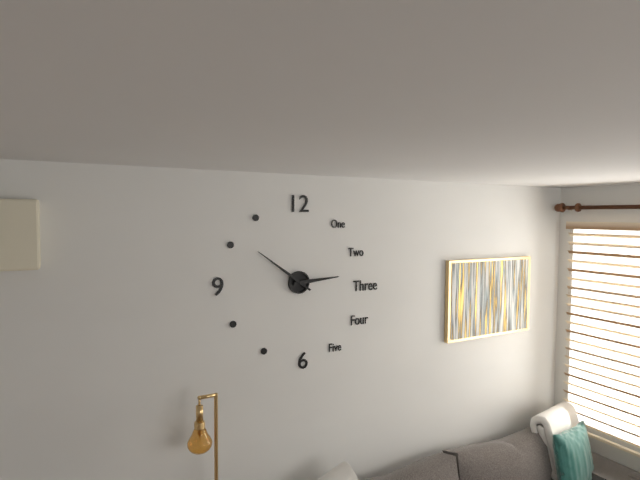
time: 2:51
